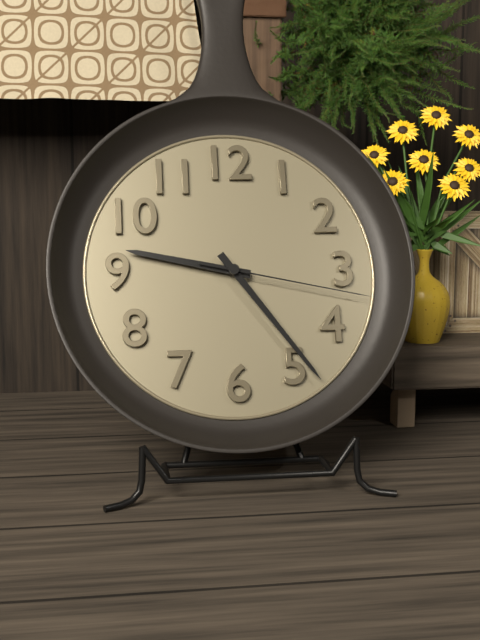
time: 9:24:17
